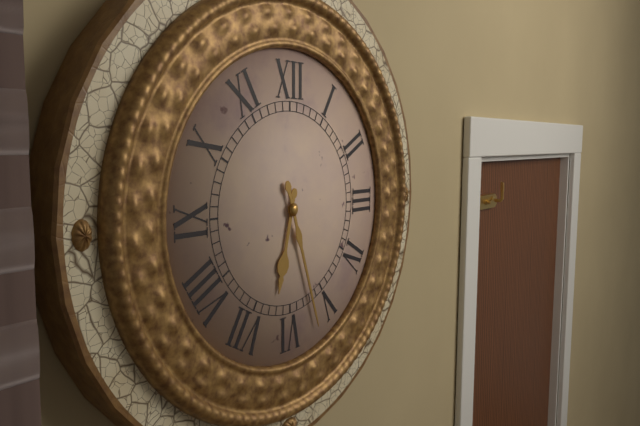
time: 6:27
